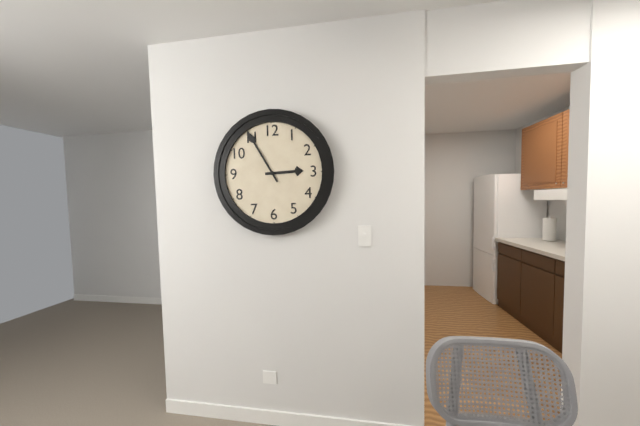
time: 2:55
